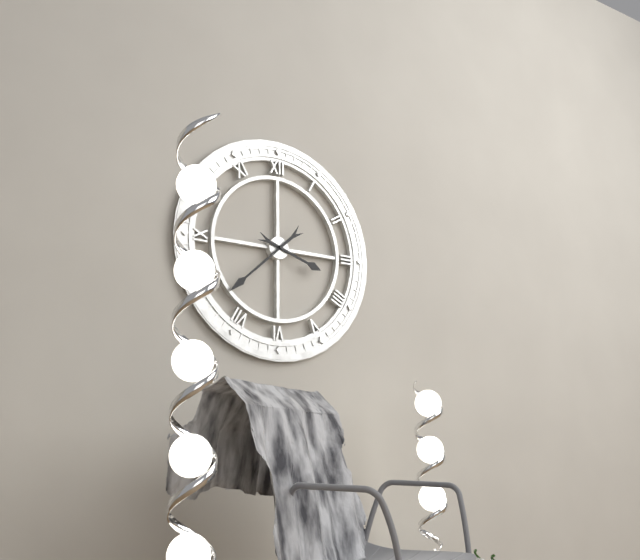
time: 3:38
